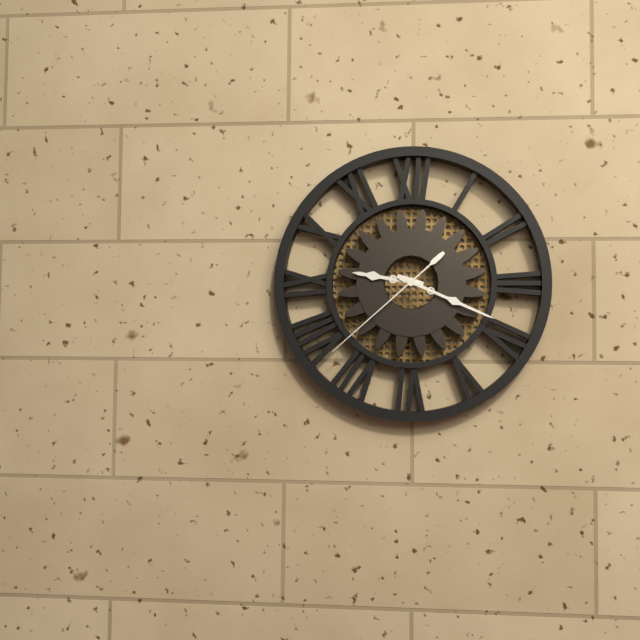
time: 9:19:38
